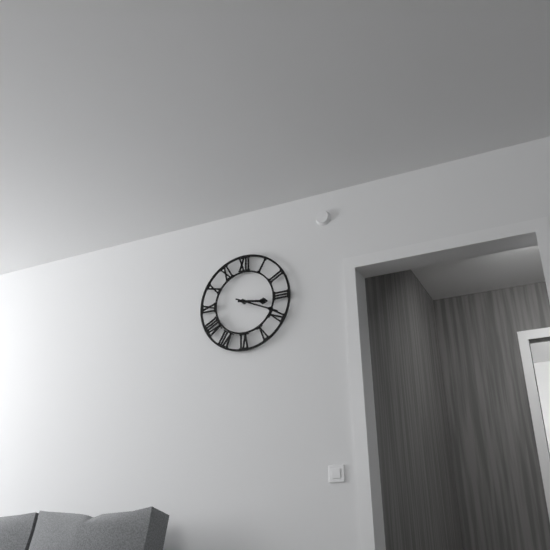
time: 3:19
